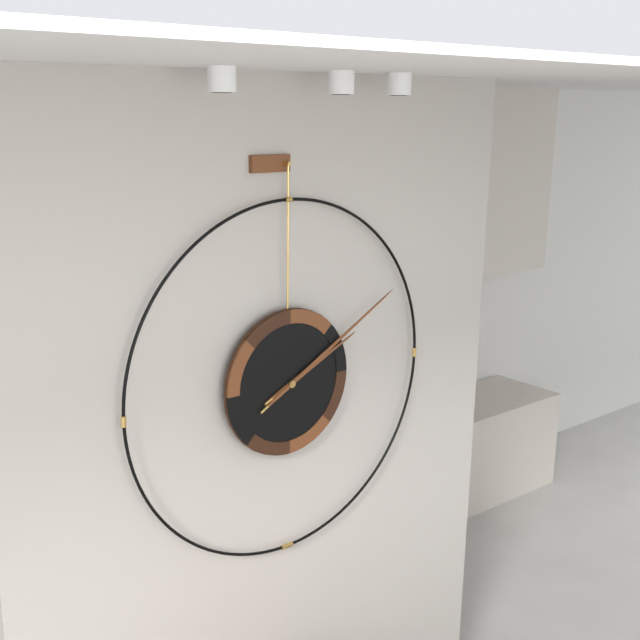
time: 2:10
